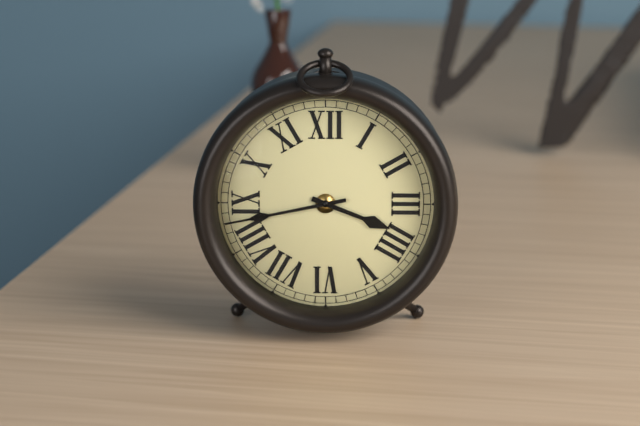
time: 3:43
